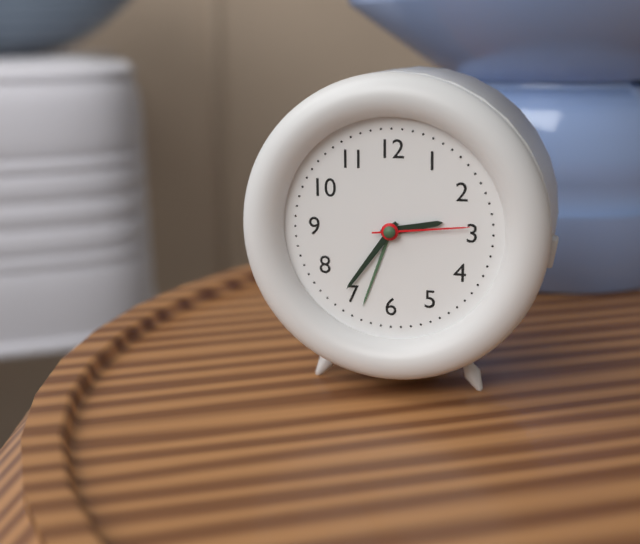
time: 2:36:14
